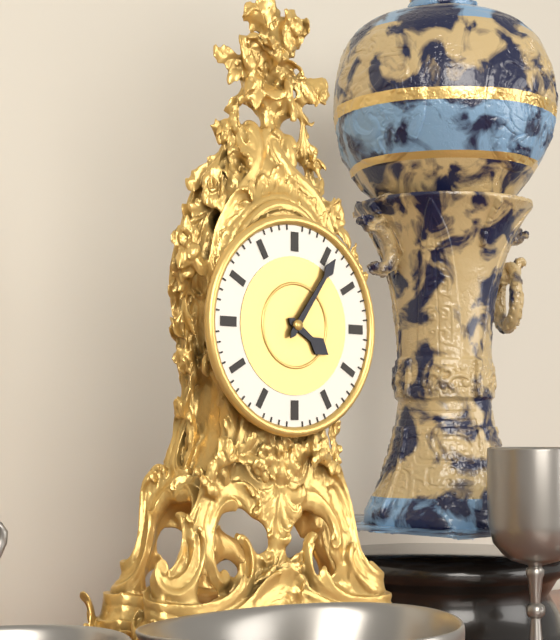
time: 4:06
